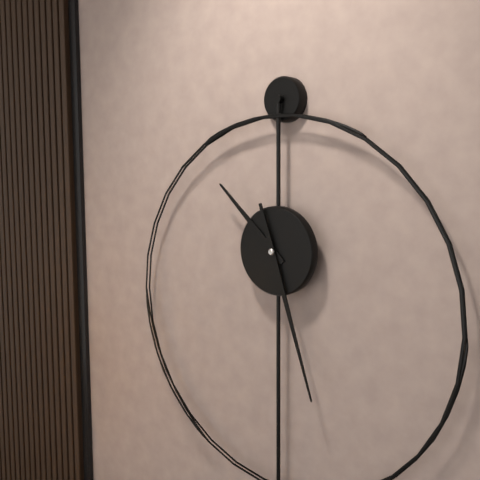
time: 10:27
